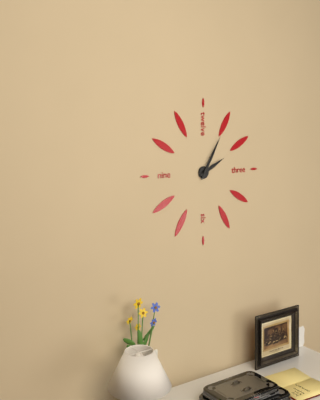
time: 2:05
